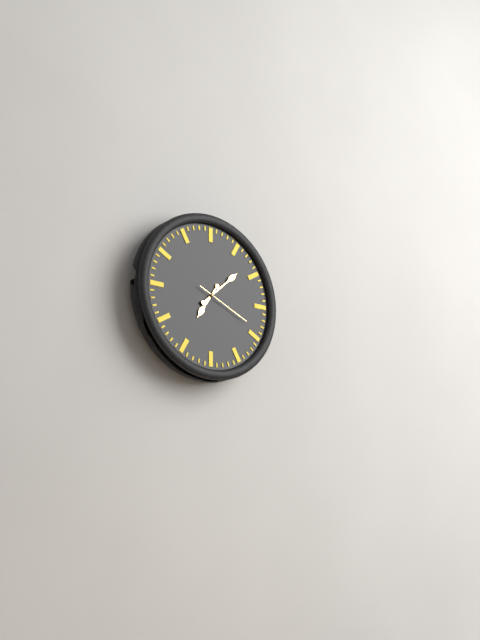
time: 7:08:19
